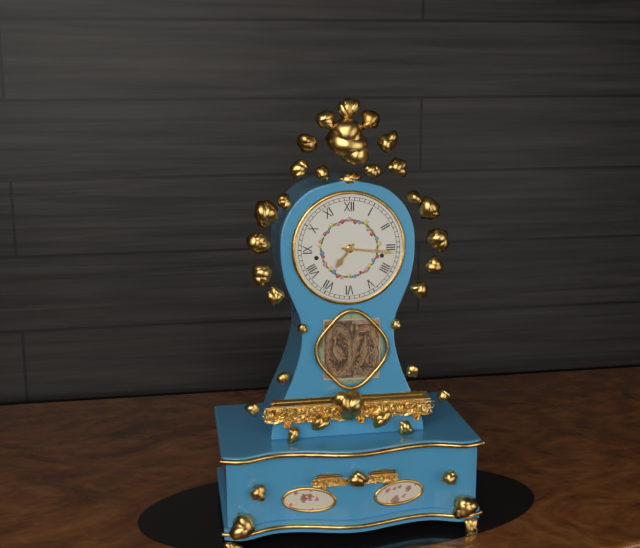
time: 7:16
